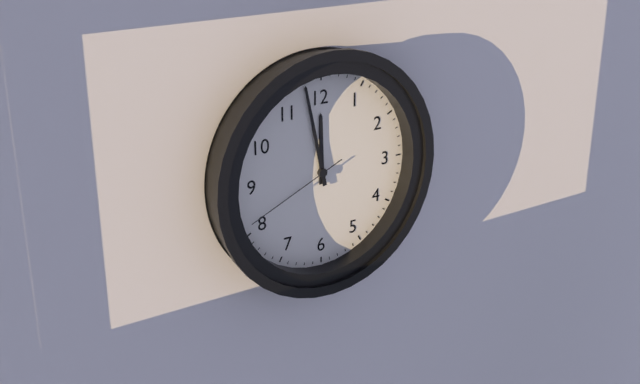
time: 11:58:41
